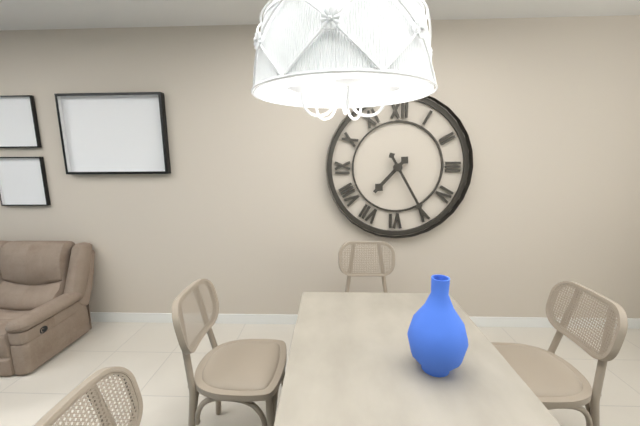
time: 7:25
